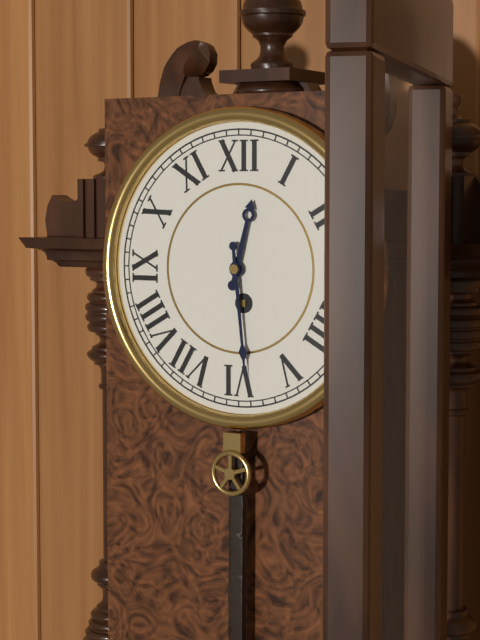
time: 12:29
